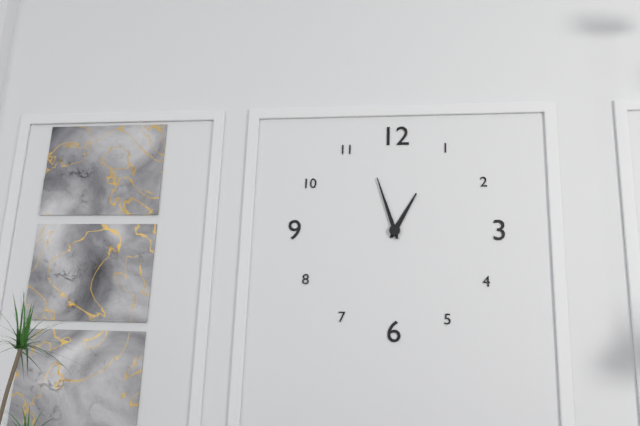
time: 12:57
